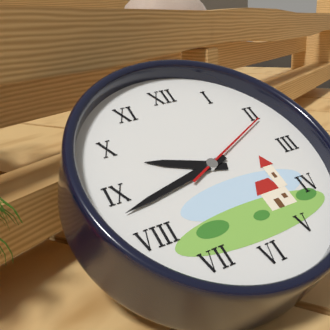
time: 9:43:11
